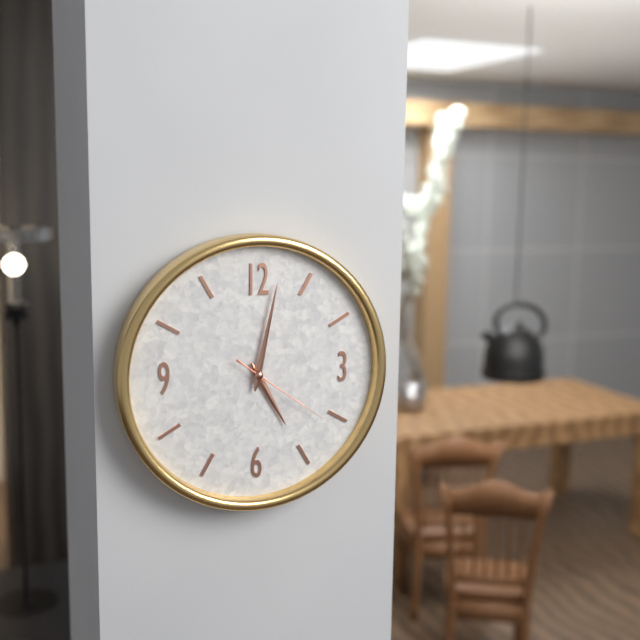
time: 5:02:21
